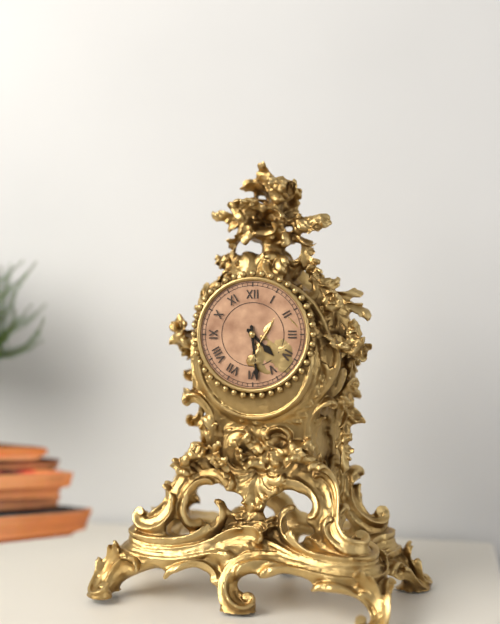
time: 4:29
